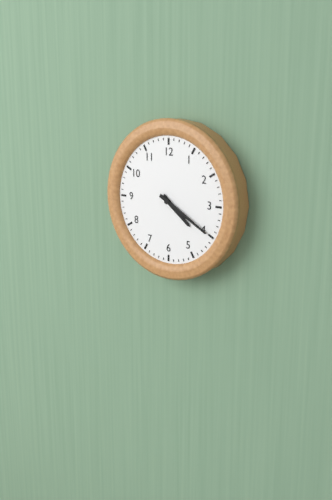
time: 4:20
